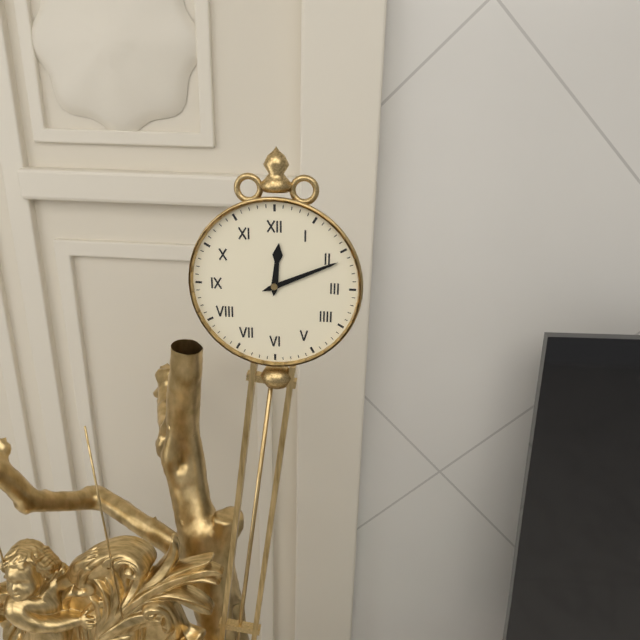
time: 12:11
